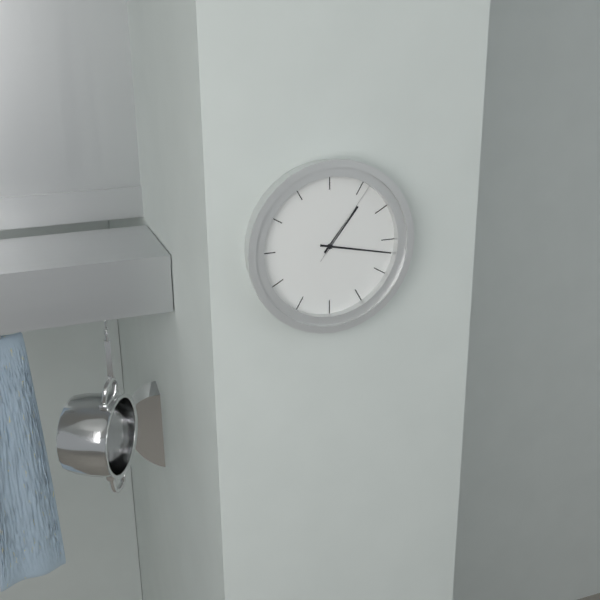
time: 1:17:06
